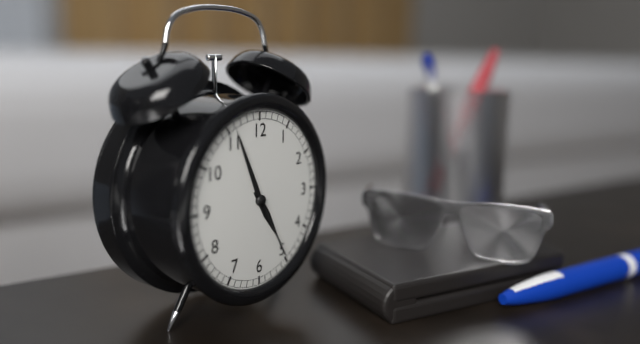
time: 4:56:25
